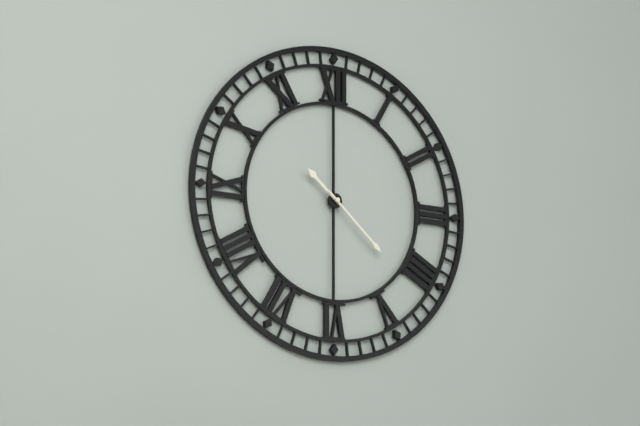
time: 10:22
